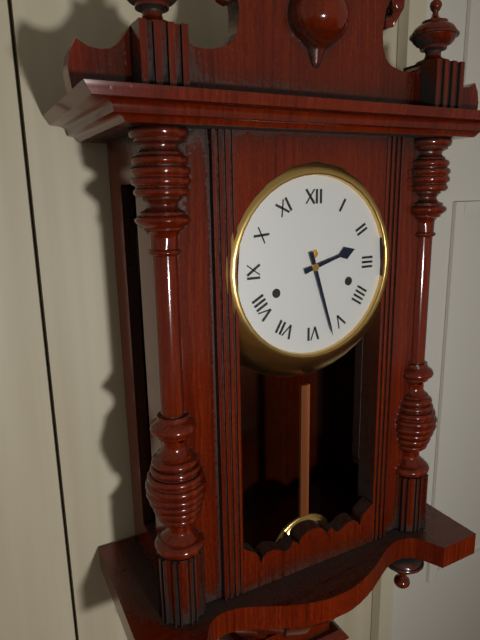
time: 2:27
